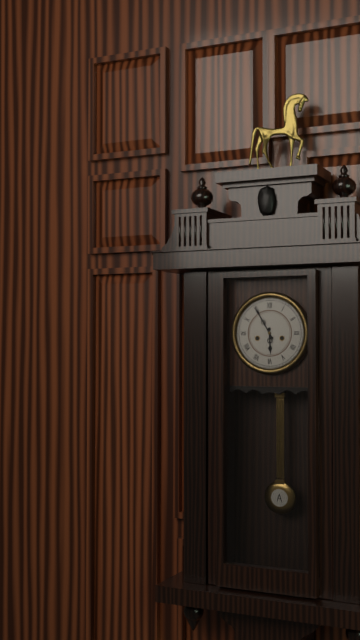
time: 5:55
